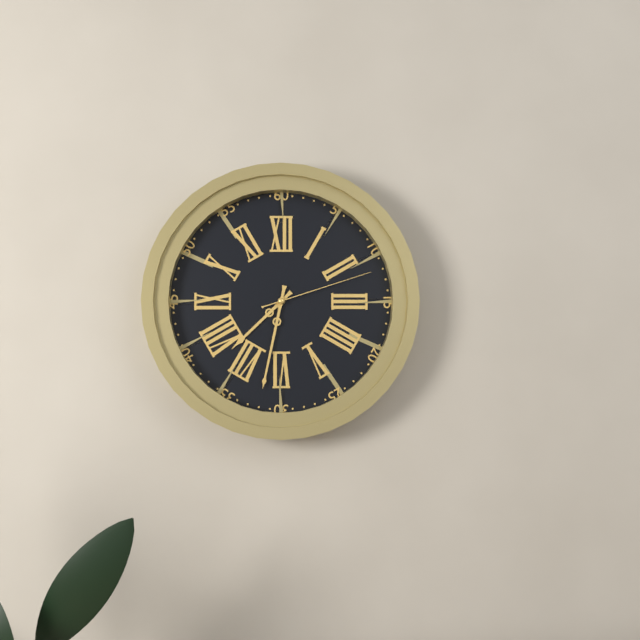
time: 7:32:12
